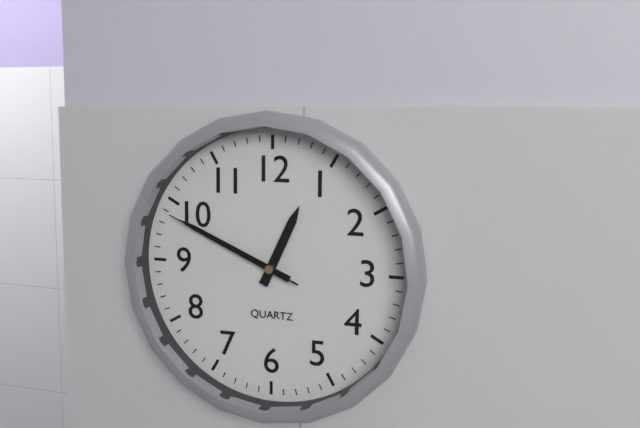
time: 12:49:49
